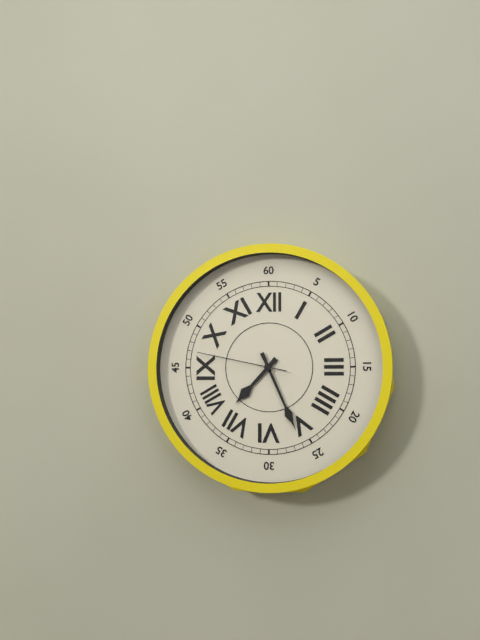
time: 7:26:47
